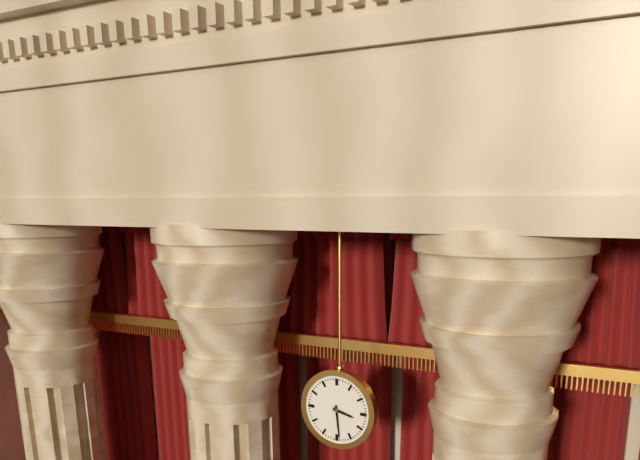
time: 3:29
